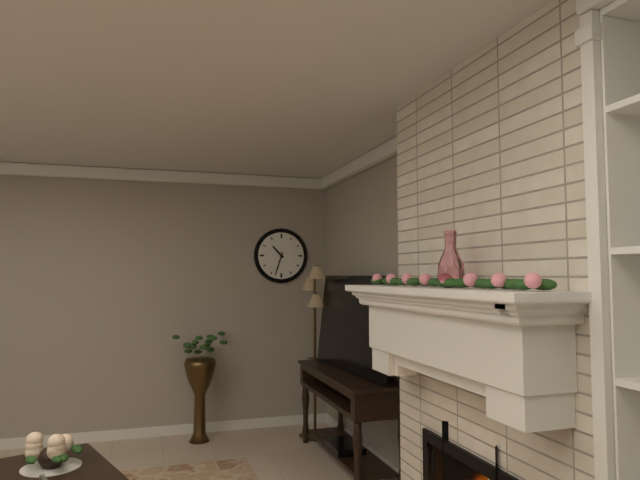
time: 10:33
